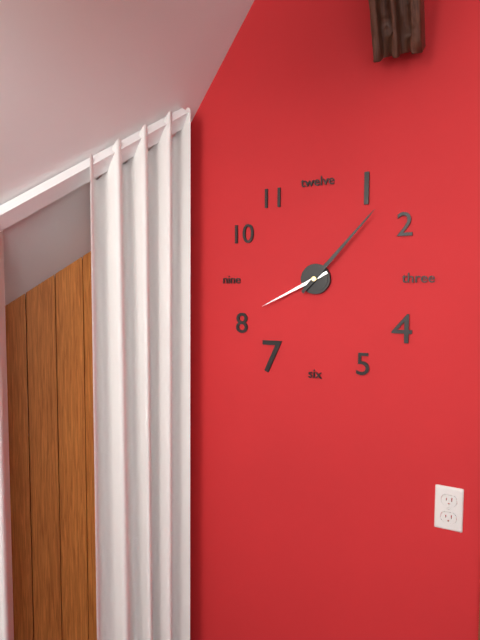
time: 8:07
